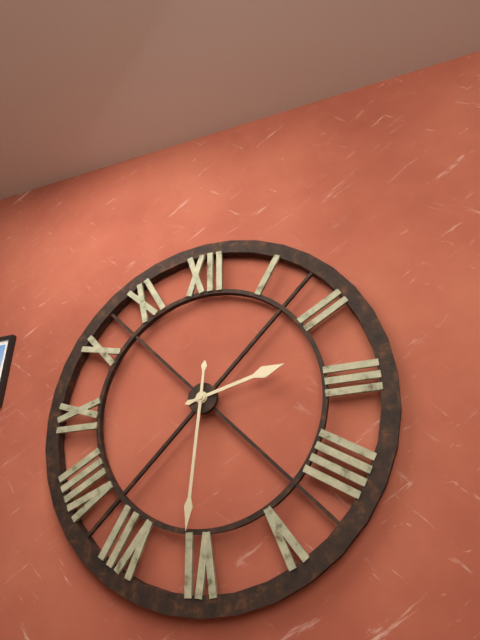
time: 2:31
